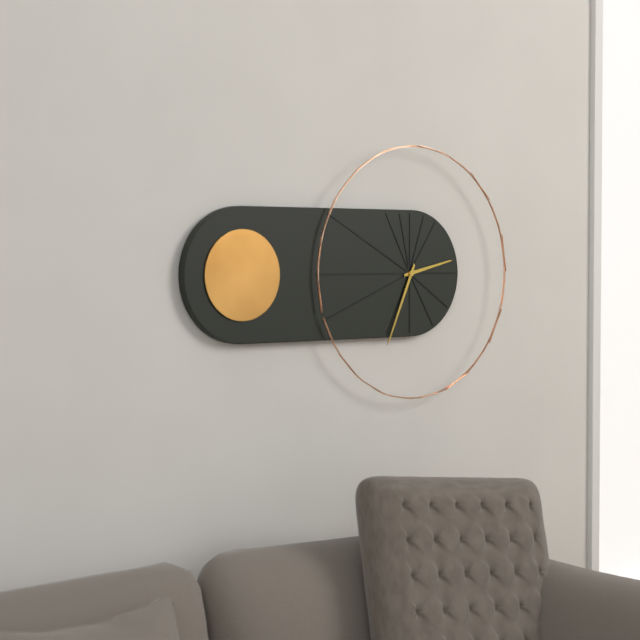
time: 2:34
